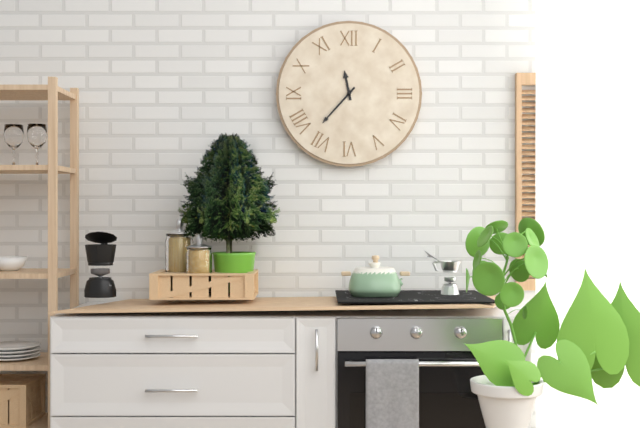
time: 11:37
